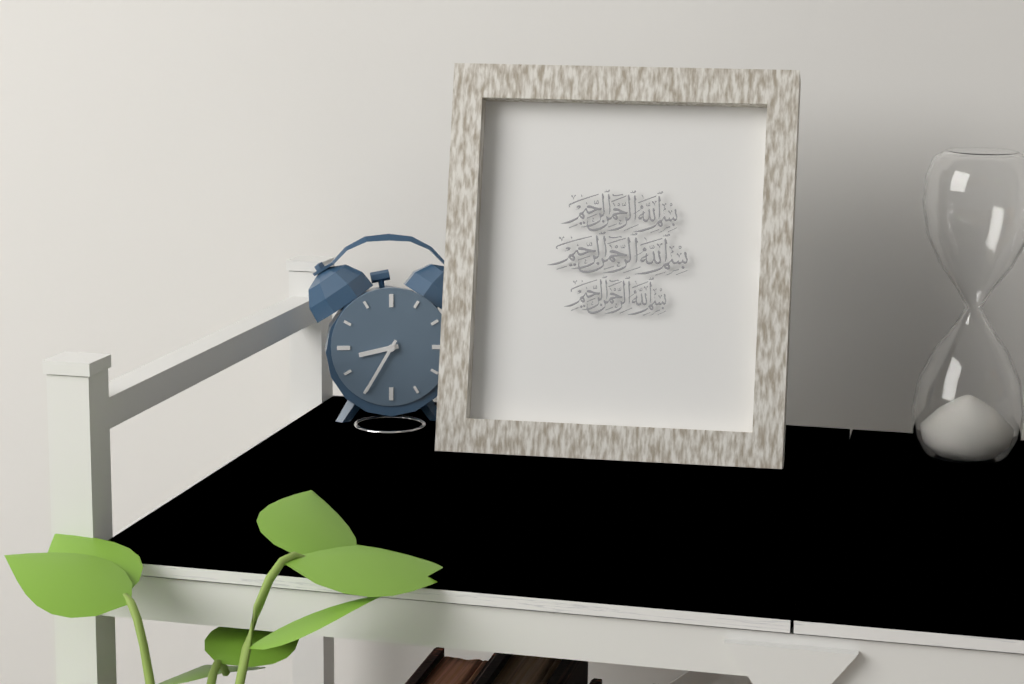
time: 8:35
